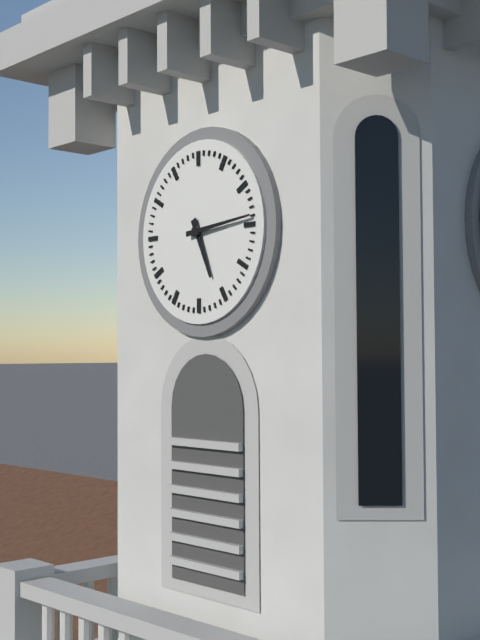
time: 5:14
